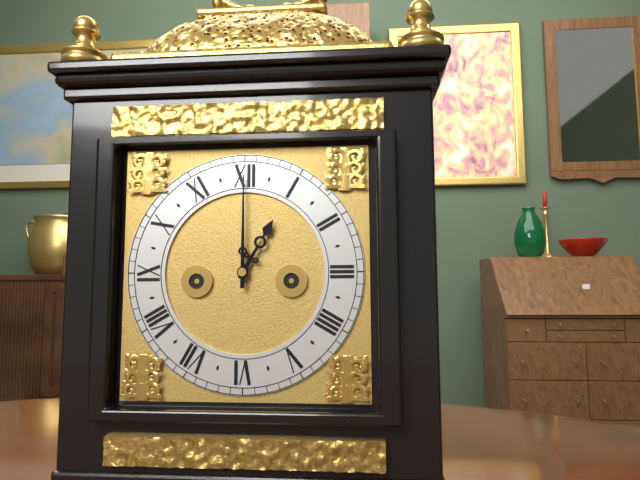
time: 1:00
